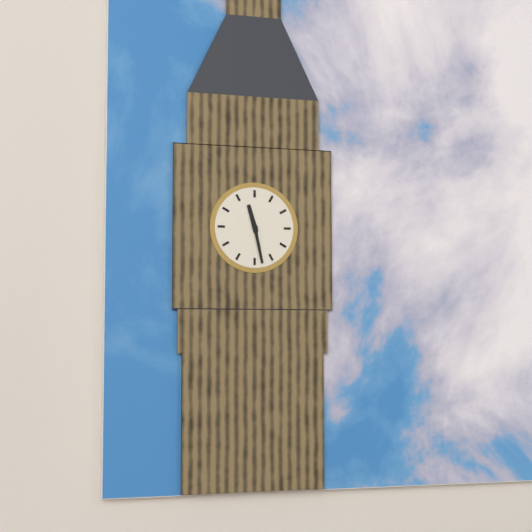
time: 11:28
